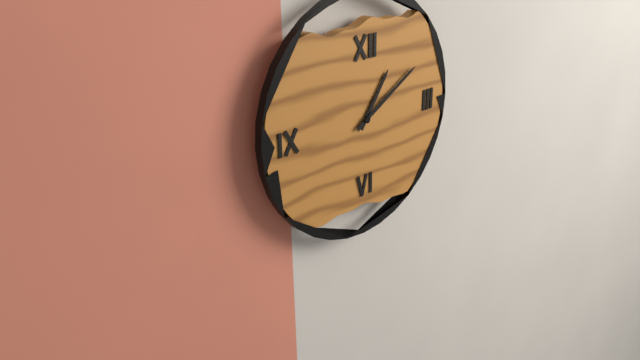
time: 1:10
